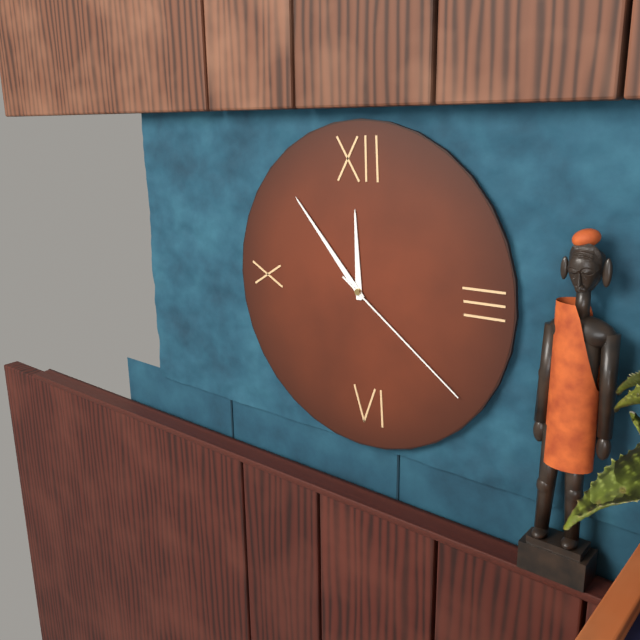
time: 11:53:21
